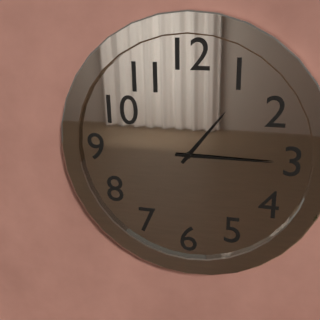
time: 1:15
